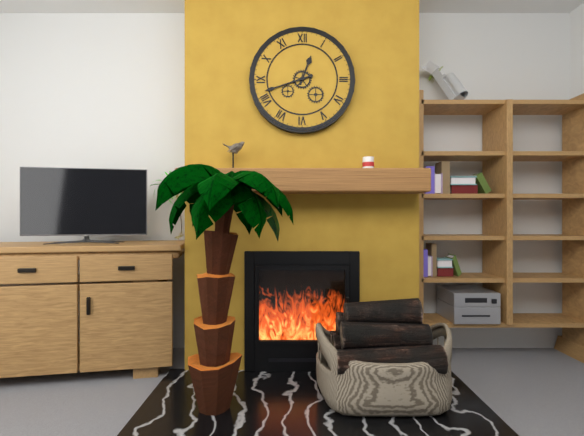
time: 12:42
